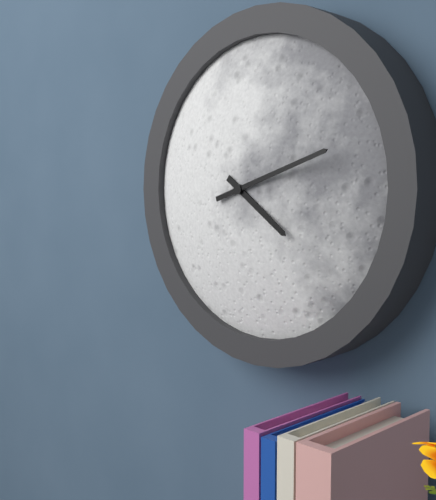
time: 4:12
